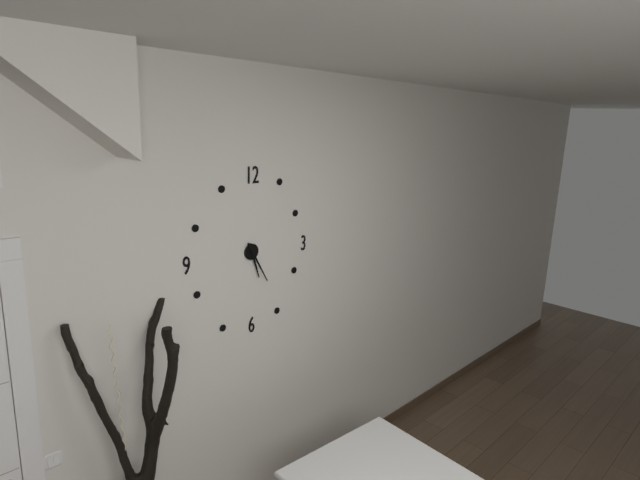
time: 5:25
